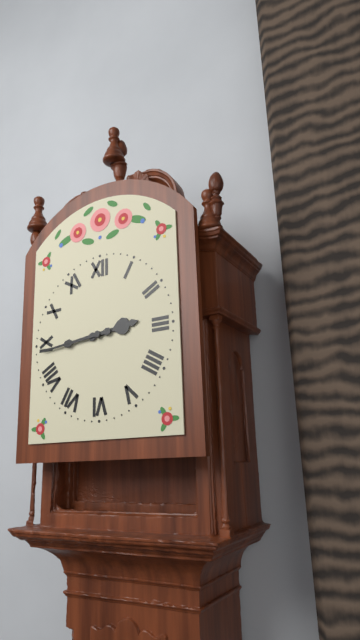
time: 2:44
